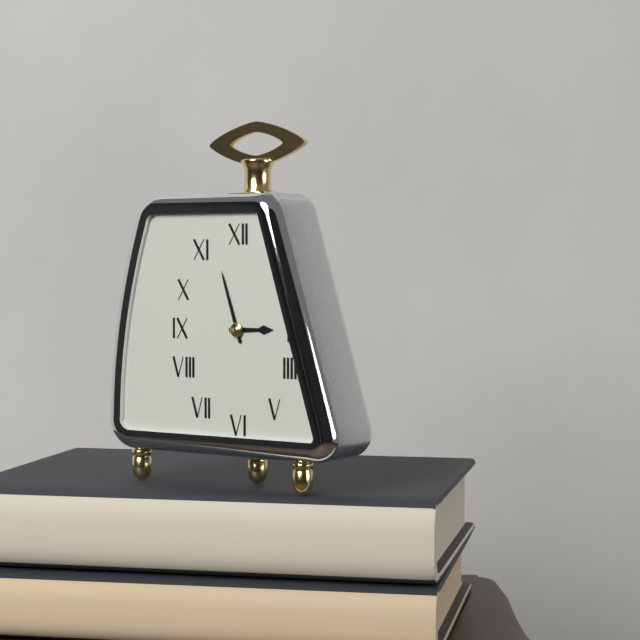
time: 2:57
